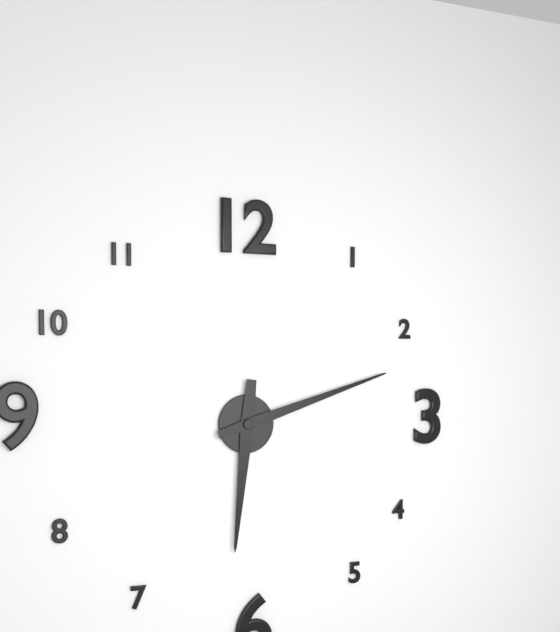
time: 6:12
